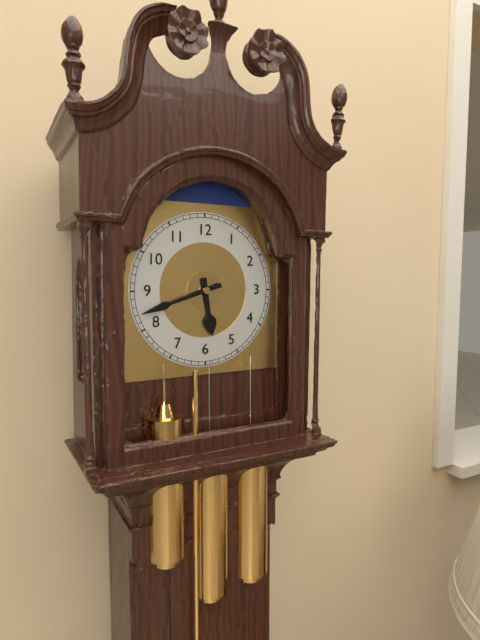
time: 5:42
